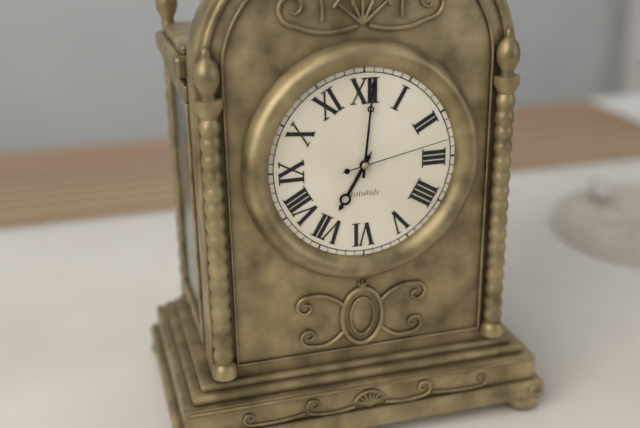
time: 7:01:13
